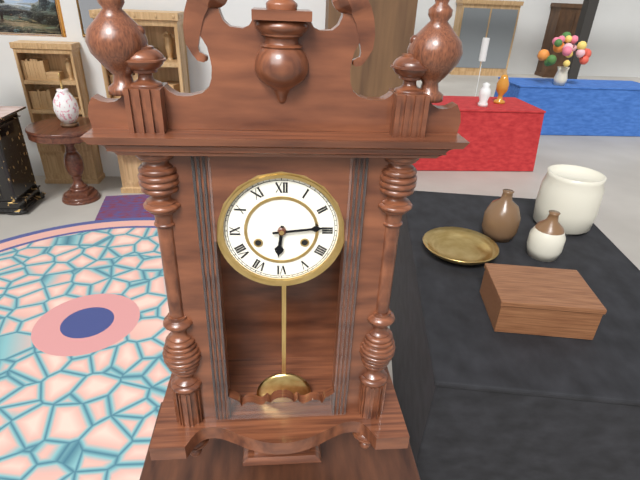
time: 6:14
